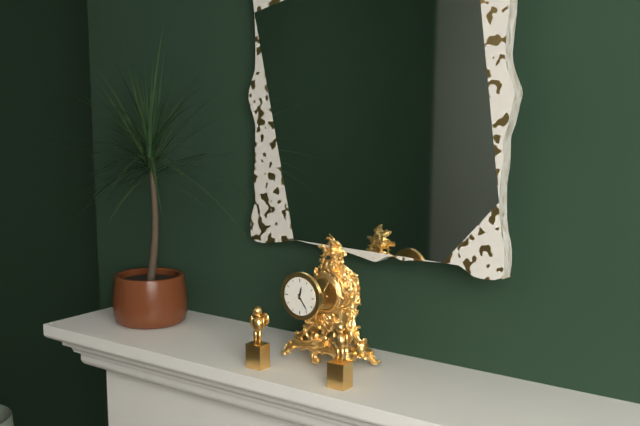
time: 12:24
